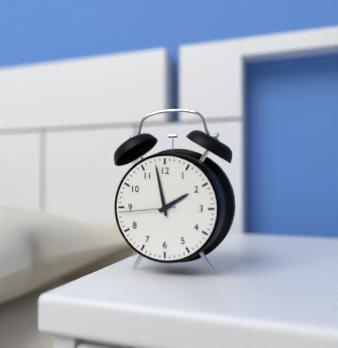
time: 1:58:44
